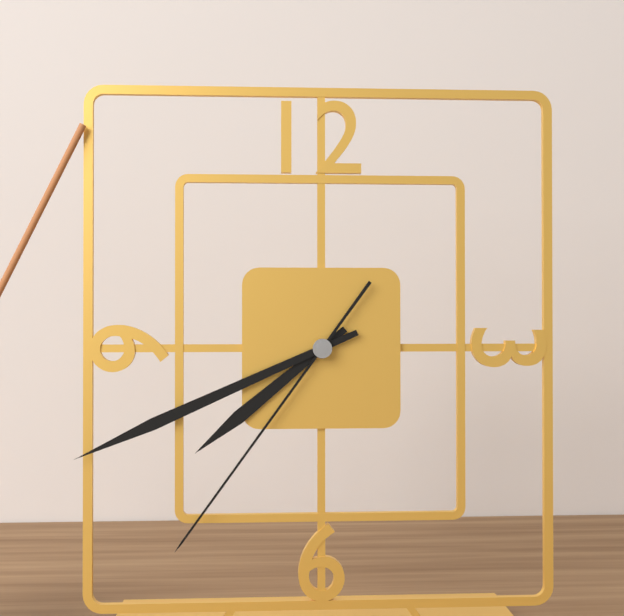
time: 7:41:36
